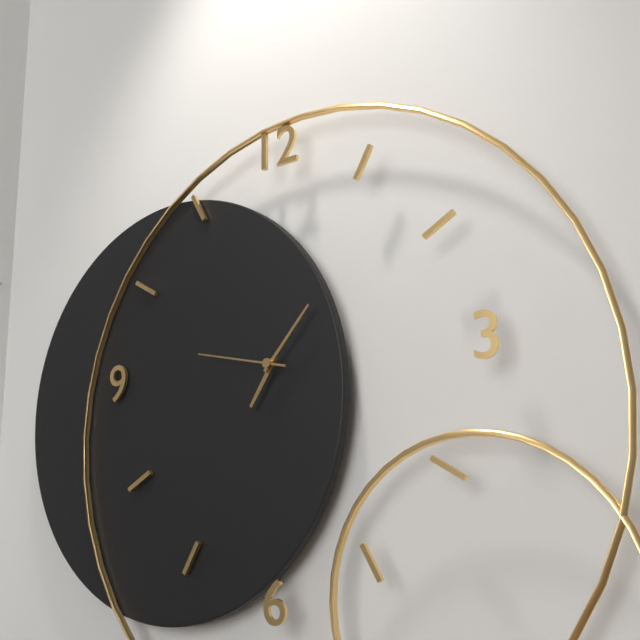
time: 7:07:47
